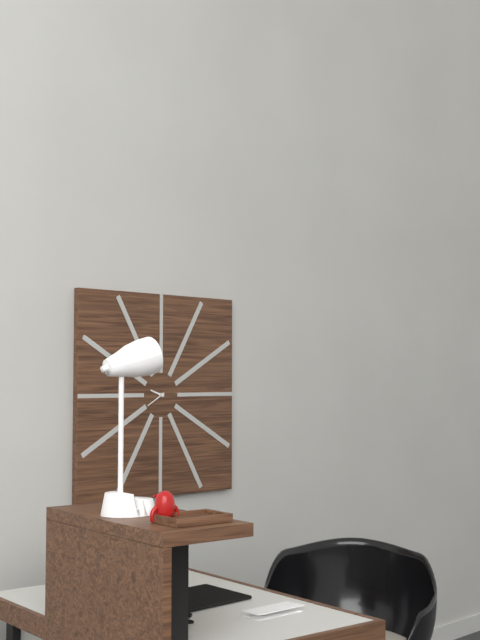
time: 9:40
